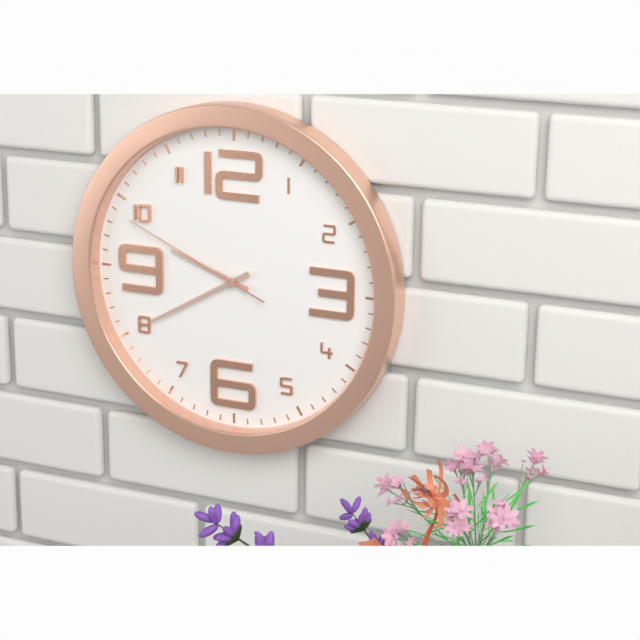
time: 9:40:49
